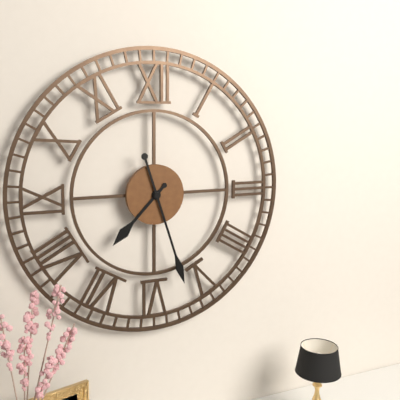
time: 7:27
